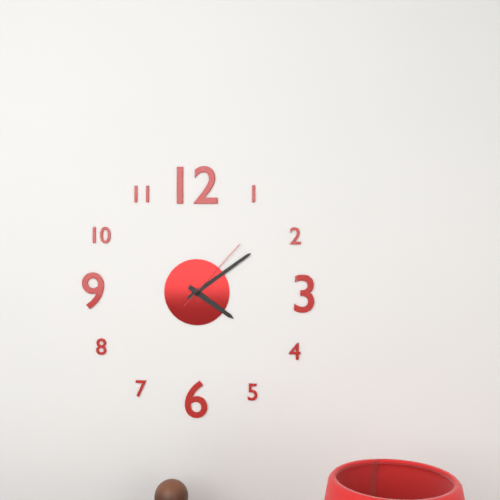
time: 4:09:07
